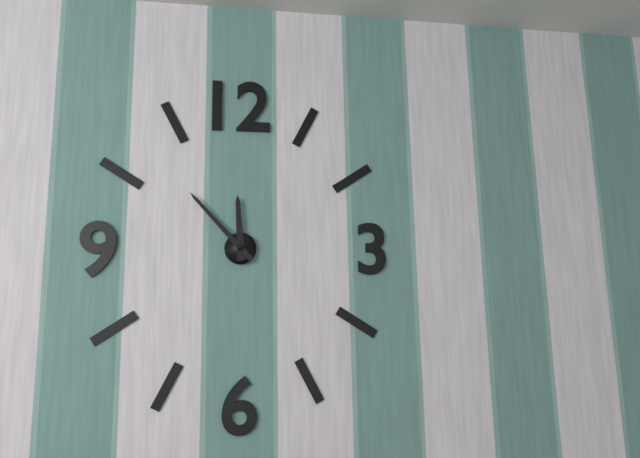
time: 11:53
